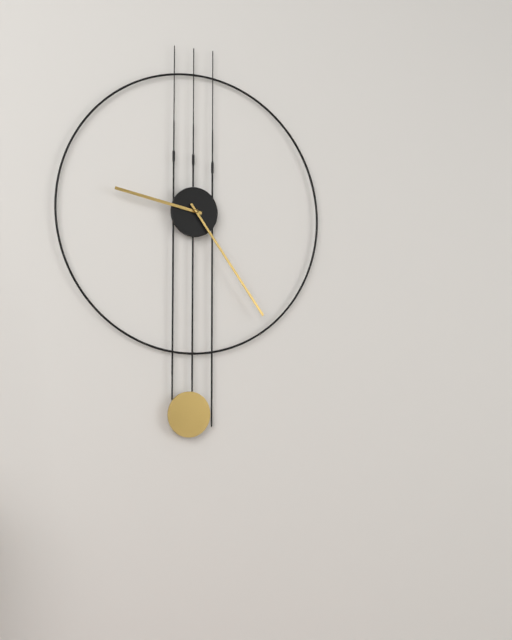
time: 9:24
